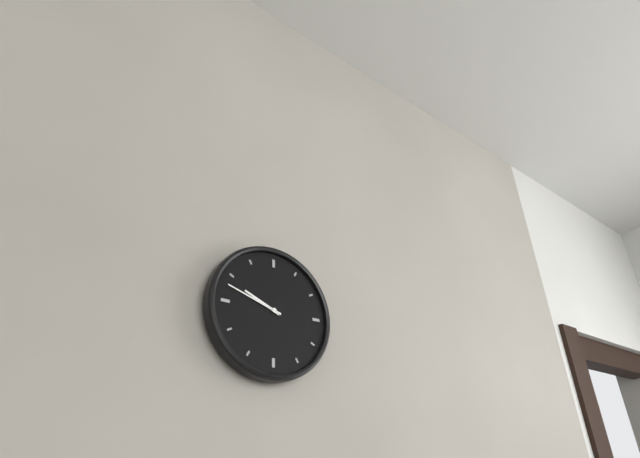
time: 9:48
